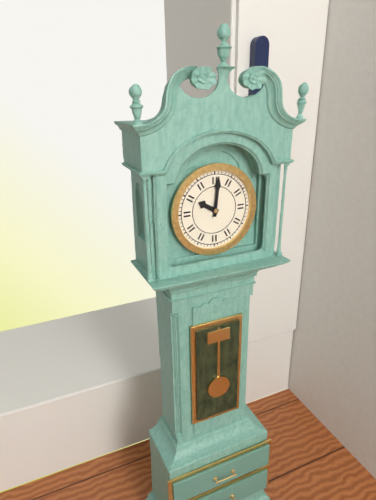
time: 10:01
